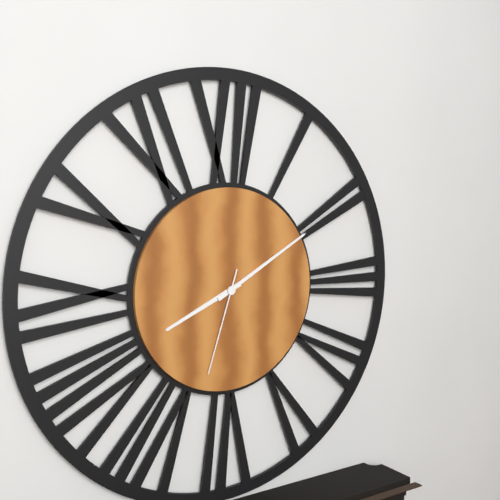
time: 8:10:33
